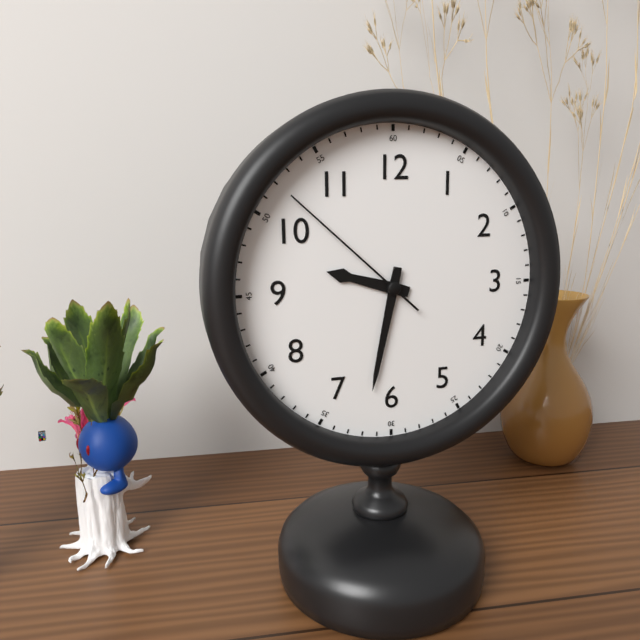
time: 9:32:52
